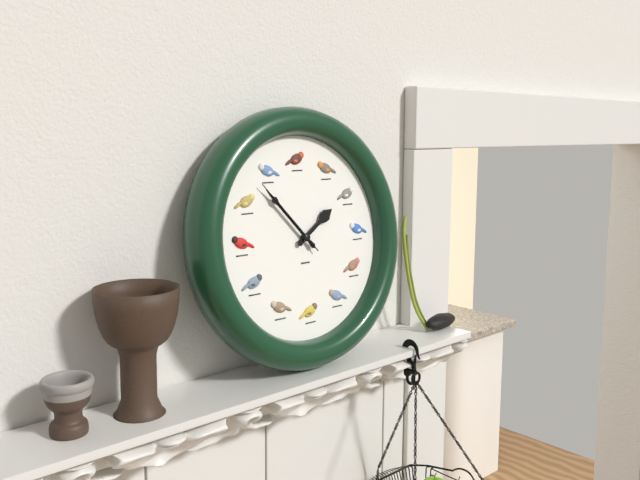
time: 1:53:53
